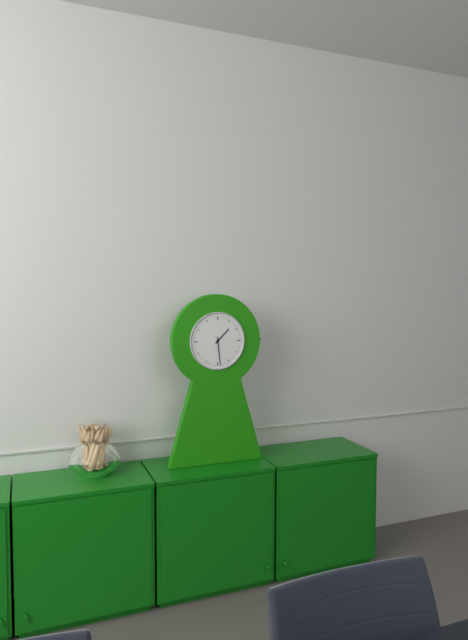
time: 1:29
